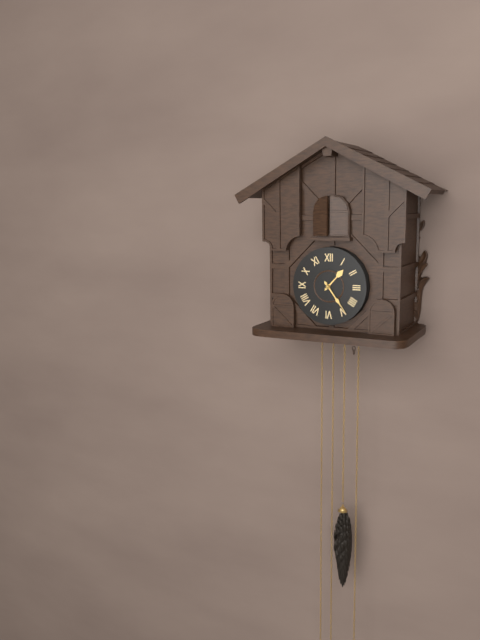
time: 1:24
